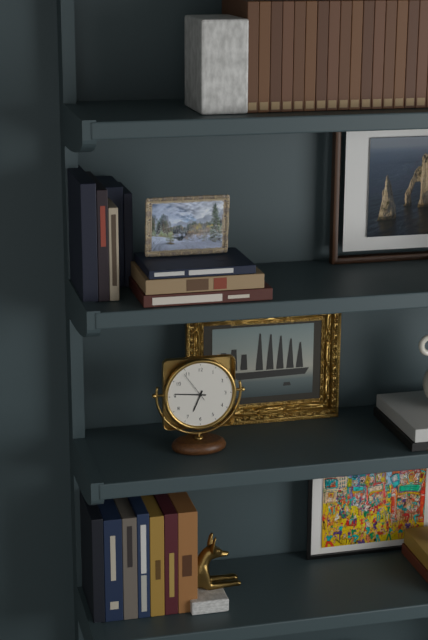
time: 6:46
